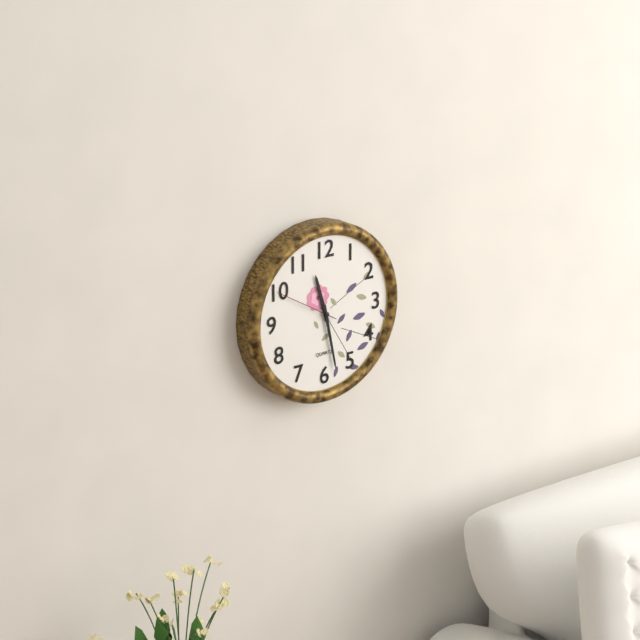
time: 11:28:50
